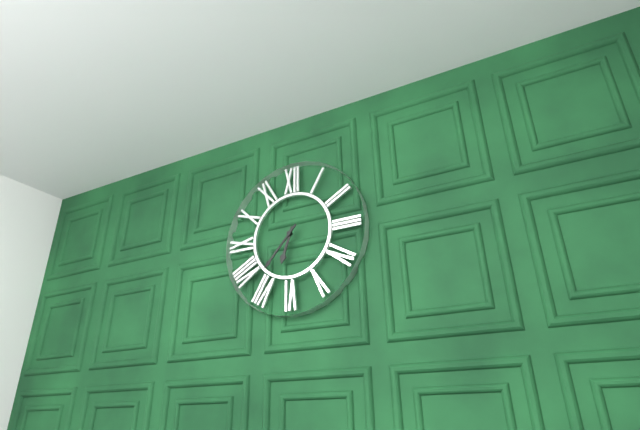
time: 6:37
